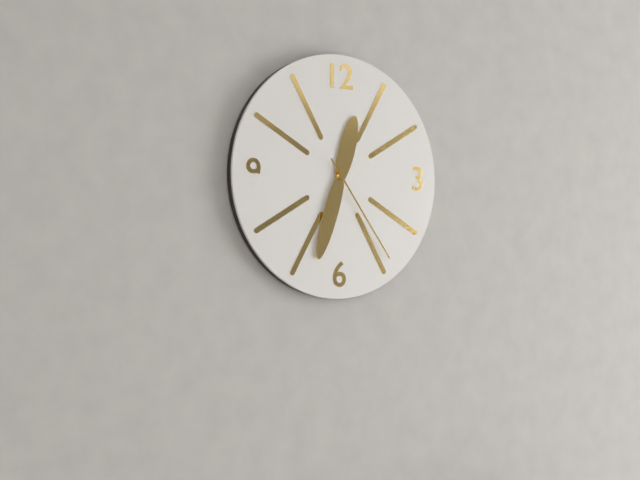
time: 12:33:24
